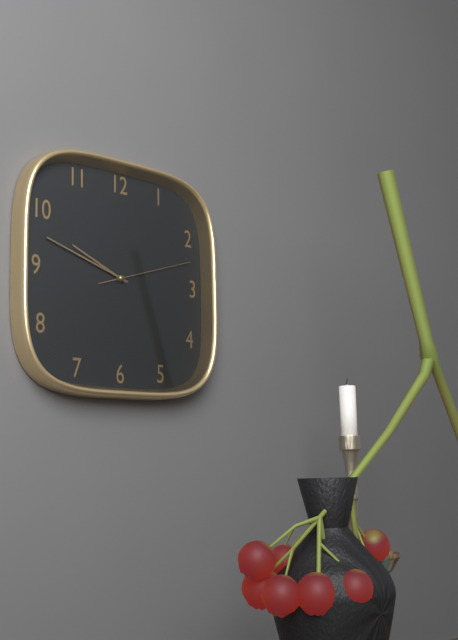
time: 9:48:12
